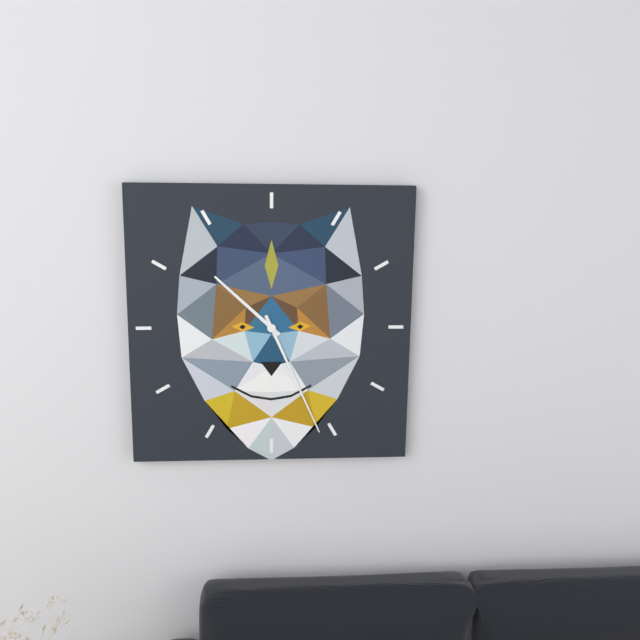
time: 10:26
